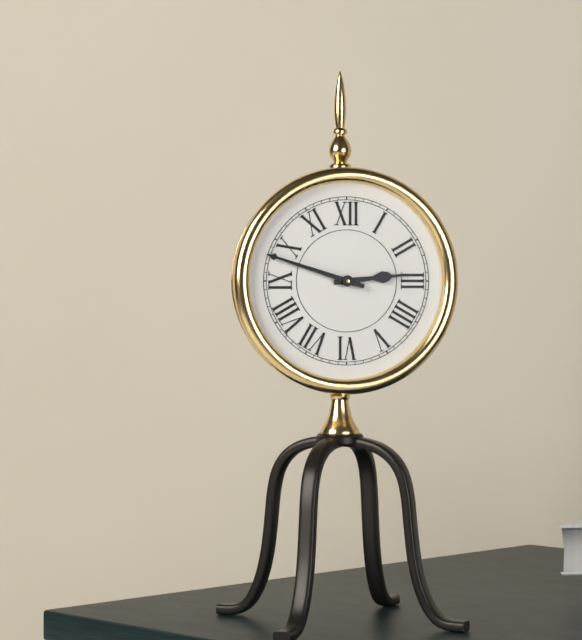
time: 2:48
